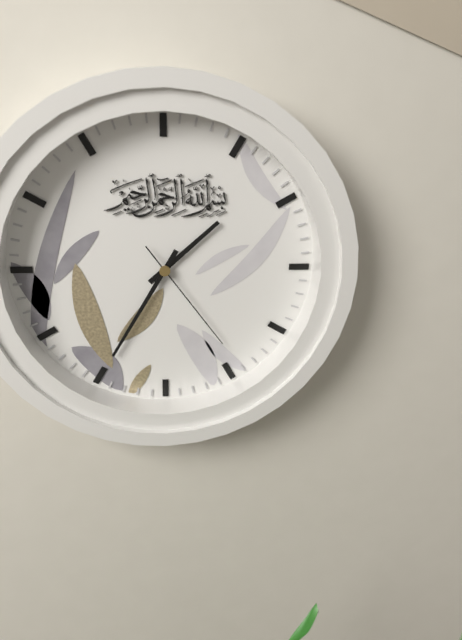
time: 1:35:24
